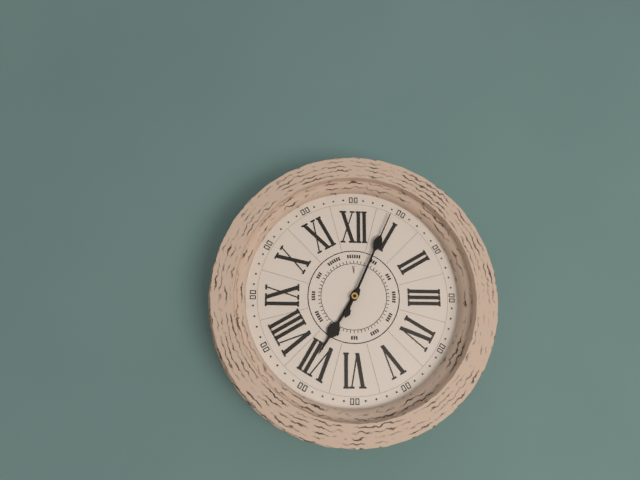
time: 7:04
